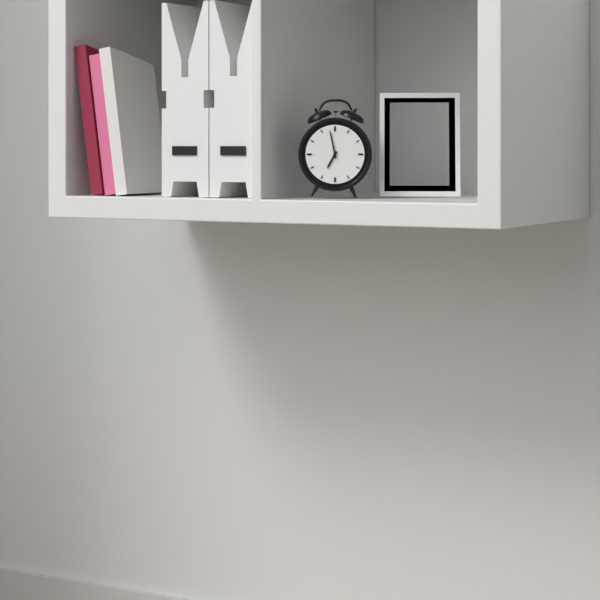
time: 6:58
